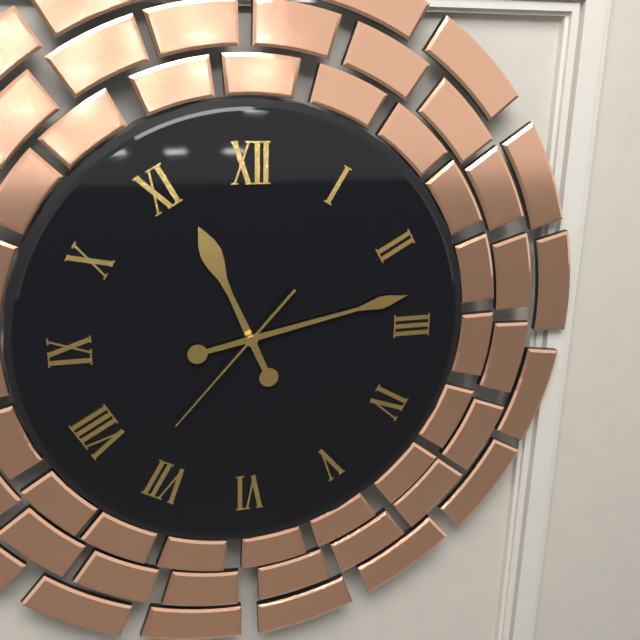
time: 11:13:37
